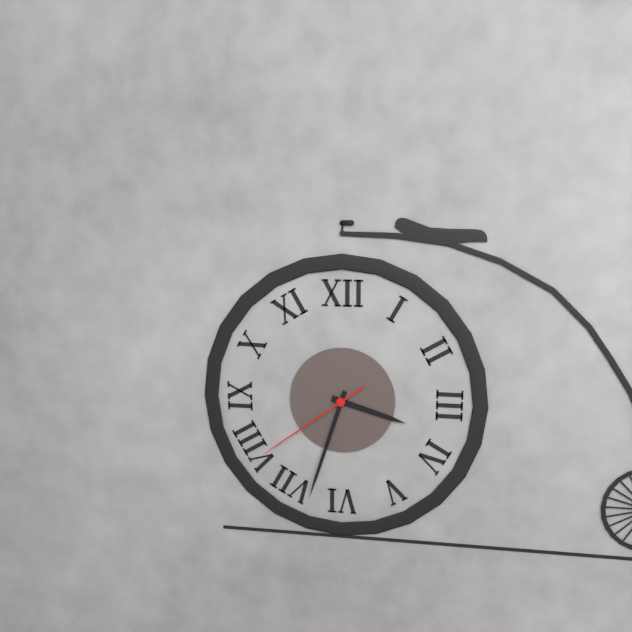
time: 3:33:39
